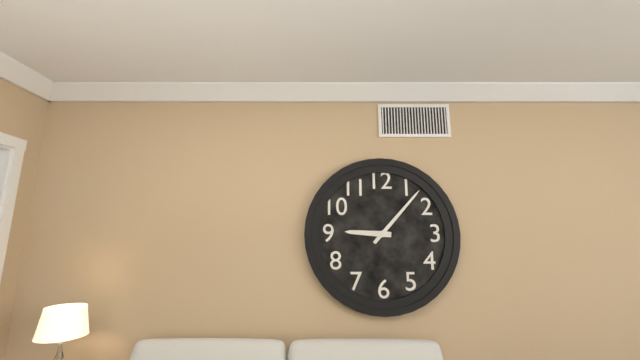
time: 9:07
